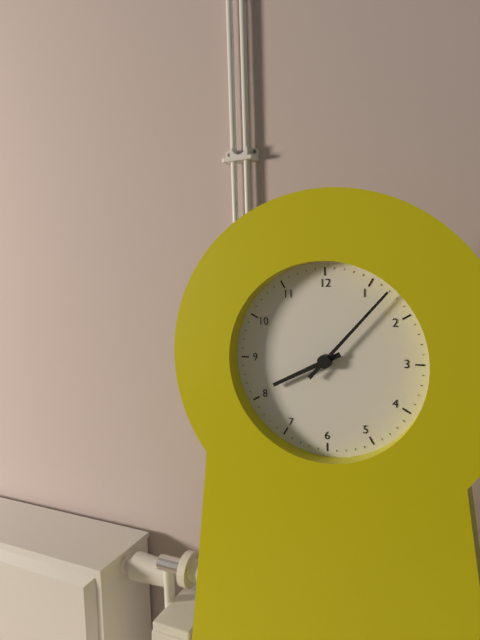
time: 8:07
